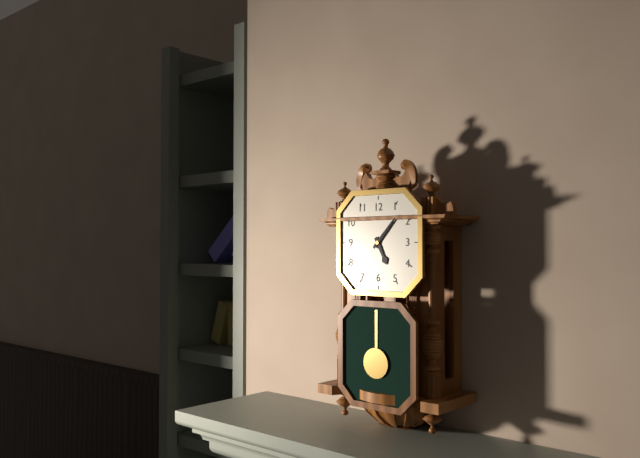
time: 5:07
